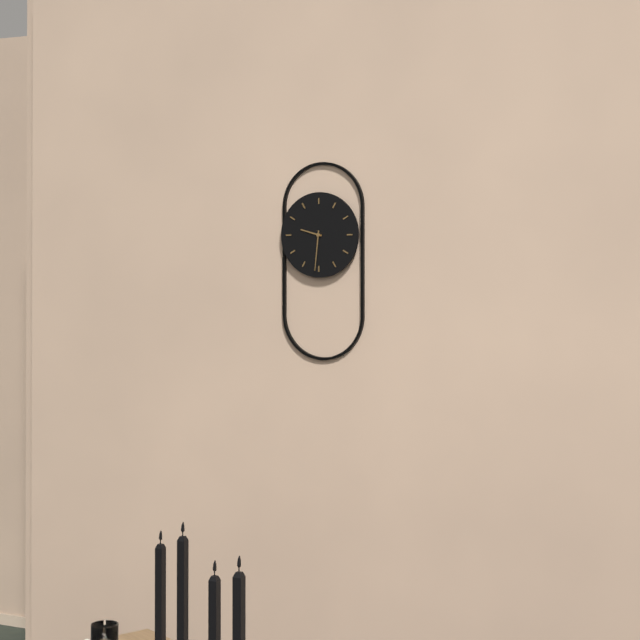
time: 9:31
